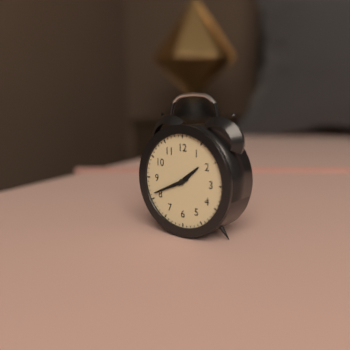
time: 1:41
